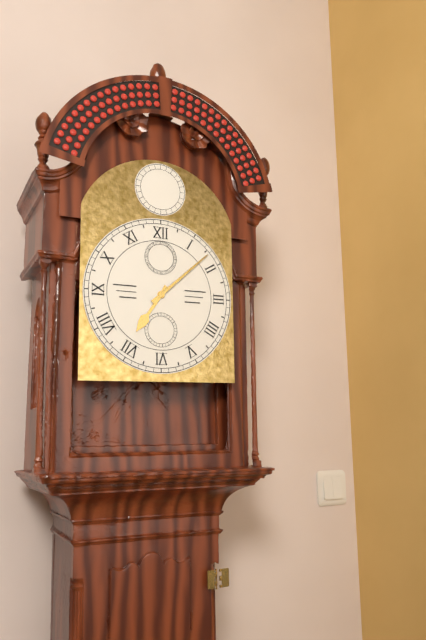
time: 7:08
